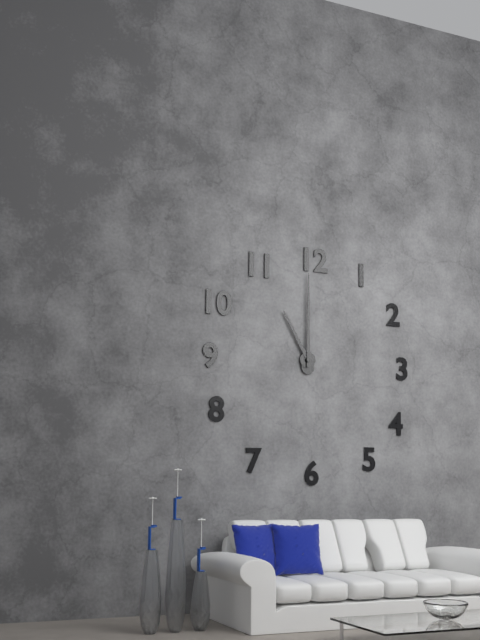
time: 11:00
